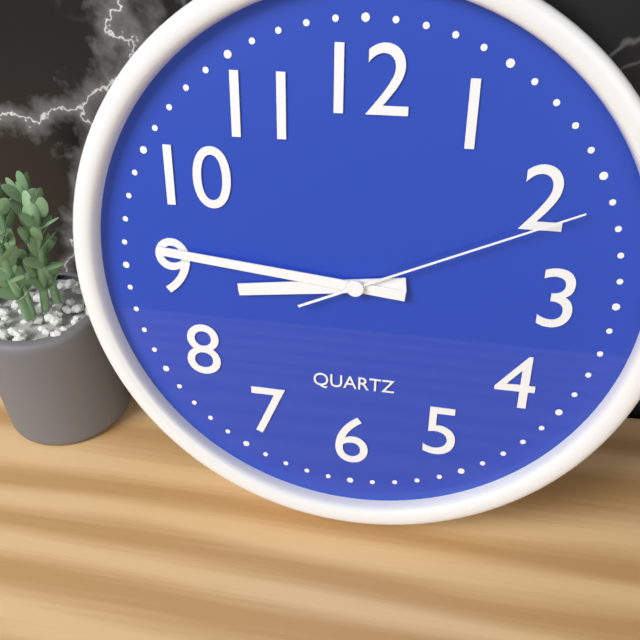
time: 8:46:11
